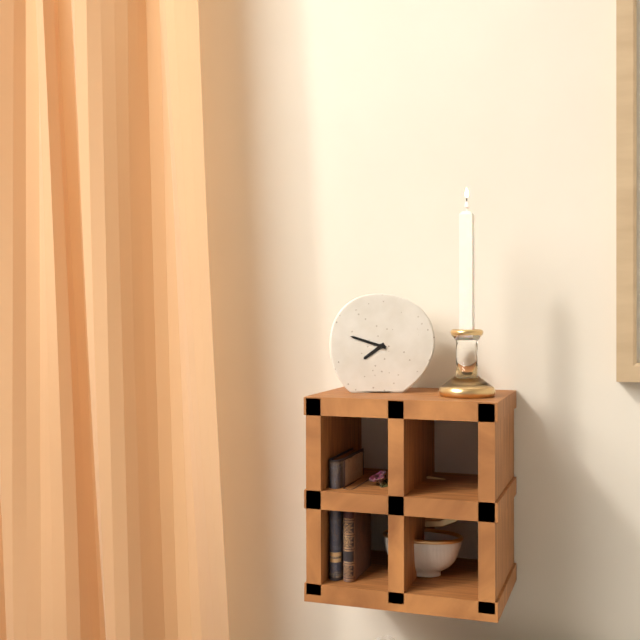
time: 7:48
